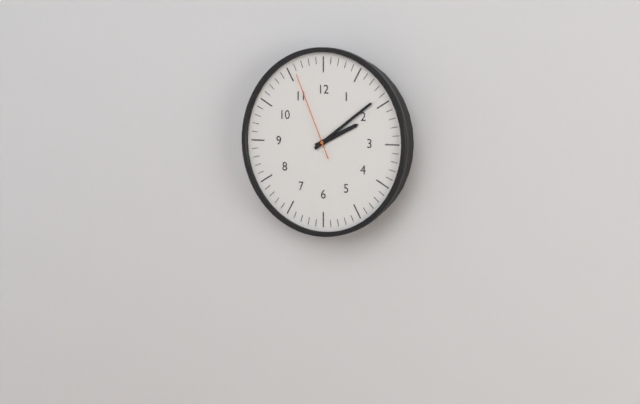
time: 2:09:56
